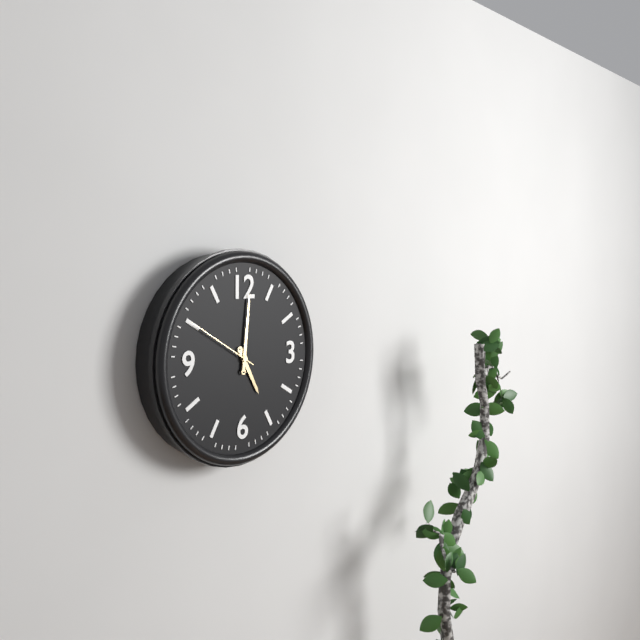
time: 5:01:50
